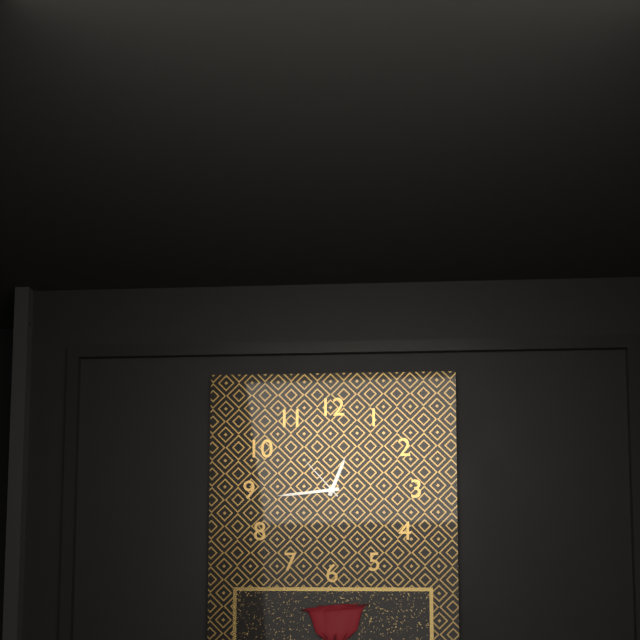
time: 12:44:53
